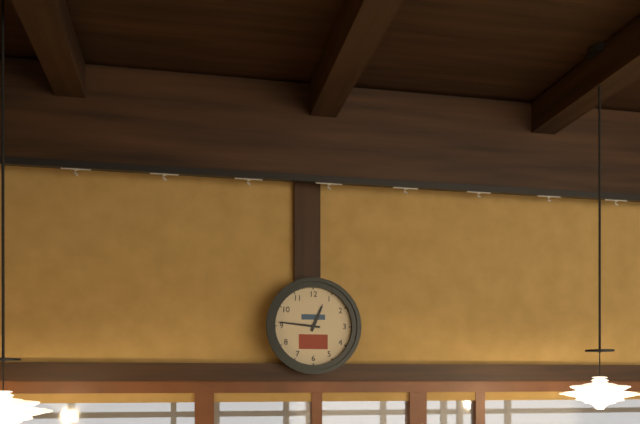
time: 12:46
